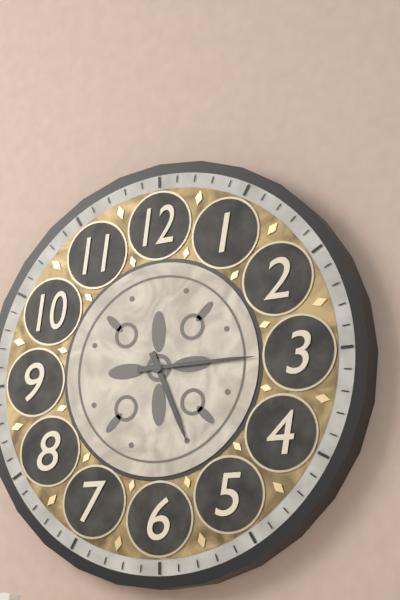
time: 5:15
